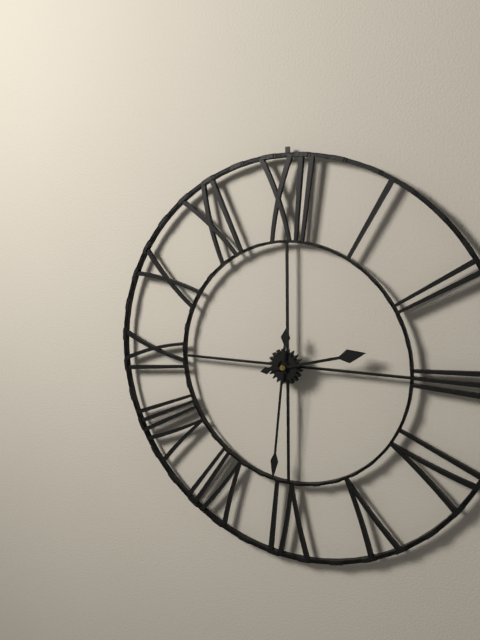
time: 2:31
